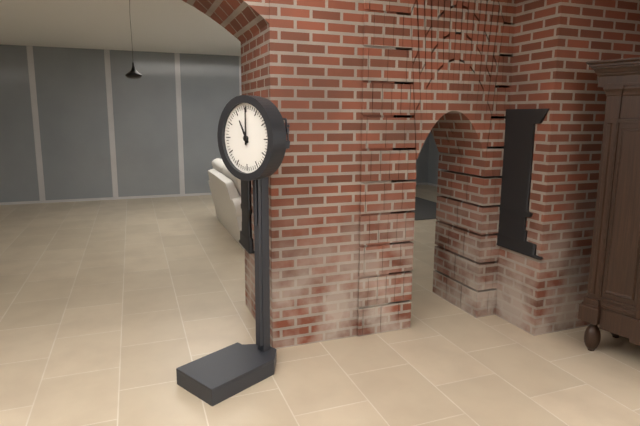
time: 11:00
